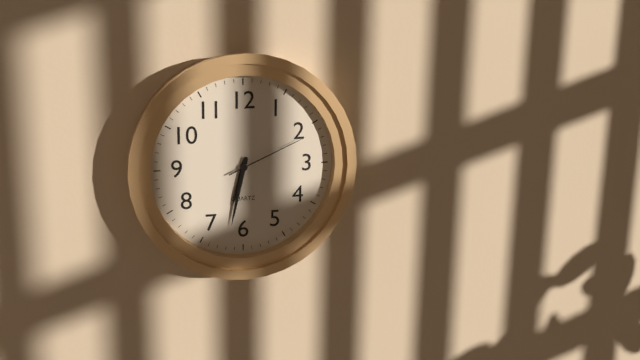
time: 6:32:11
